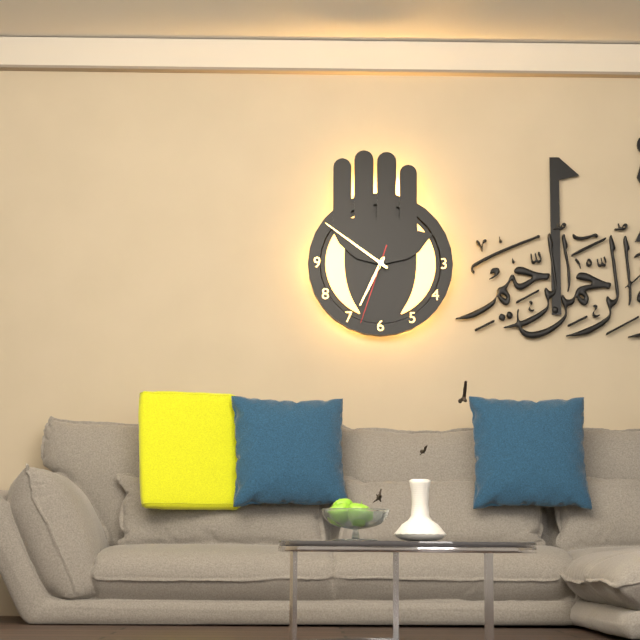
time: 6:51:33
